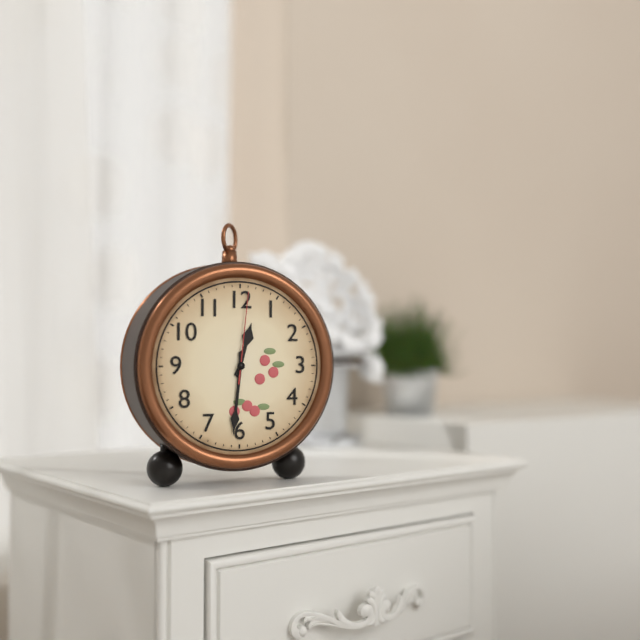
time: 12:31:01
